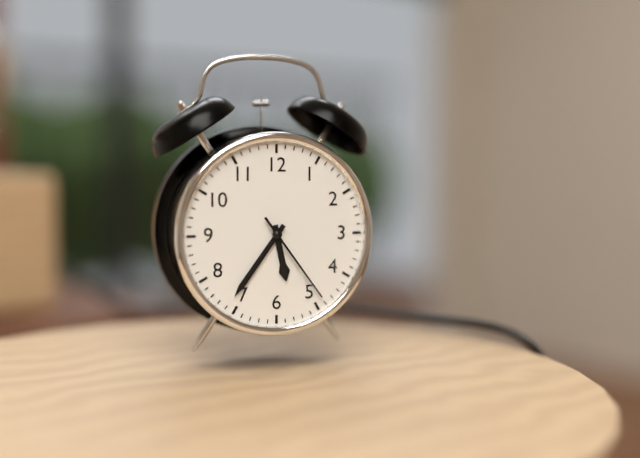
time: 5:36:24
